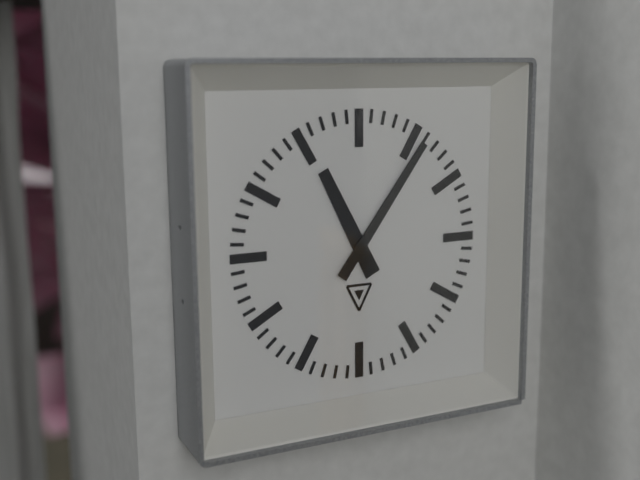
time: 11:06
